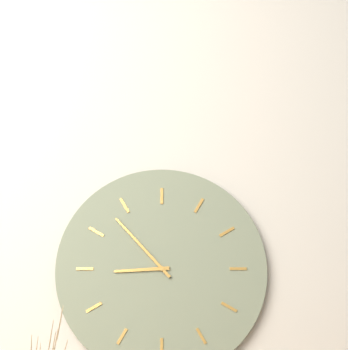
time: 8:53
